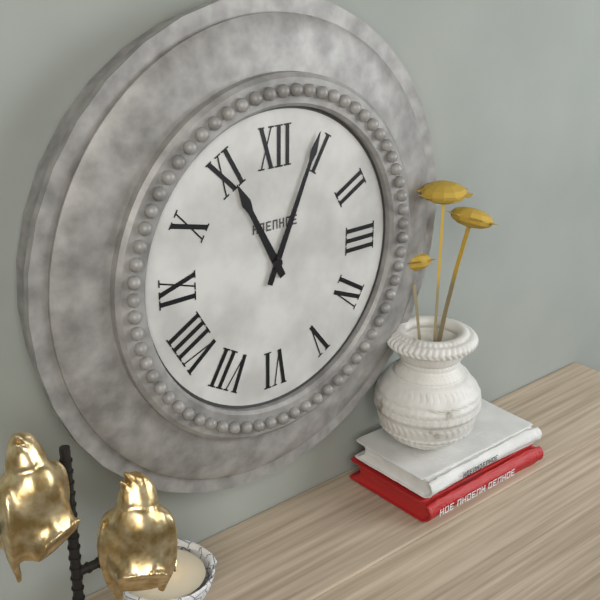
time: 11:04
